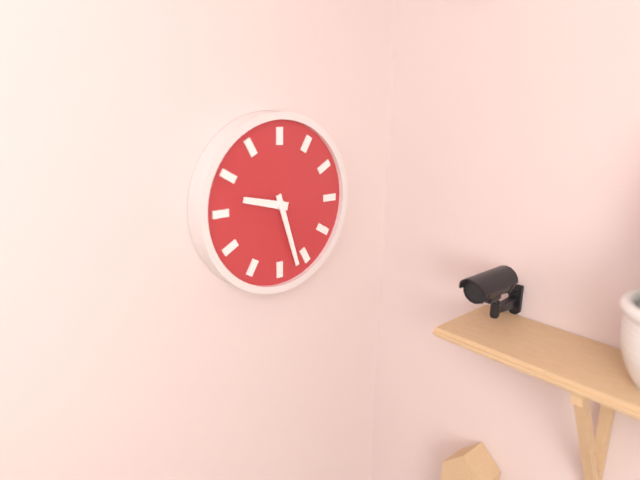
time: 9:27
